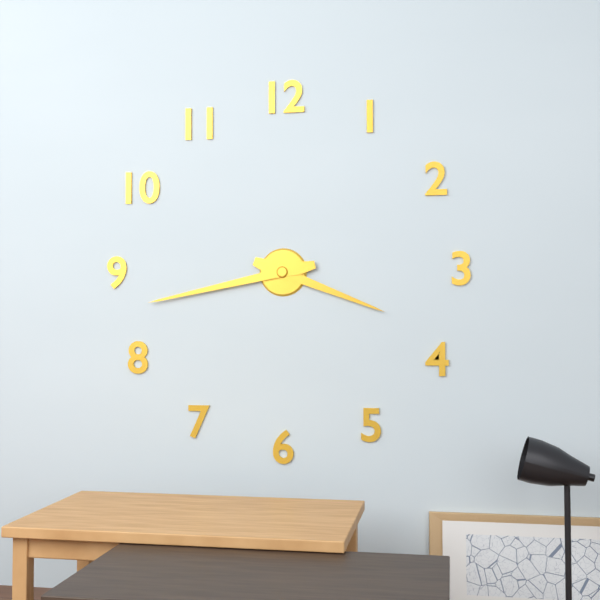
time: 3:43
